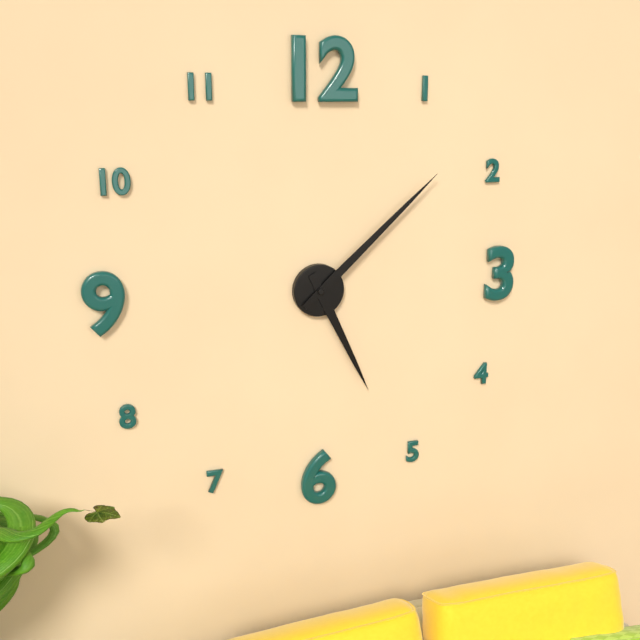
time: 5:08
